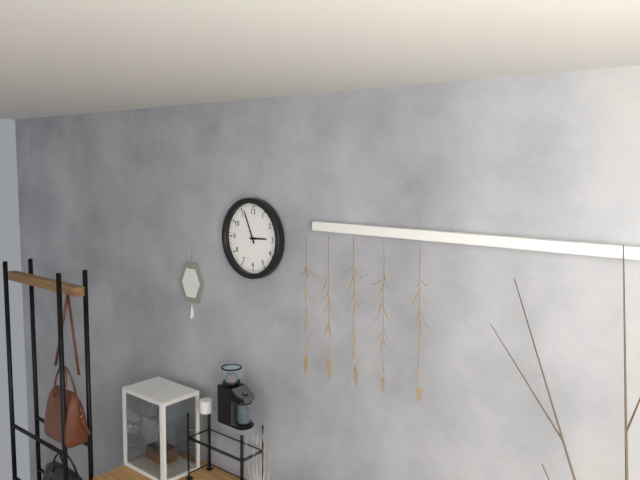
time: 2:56
